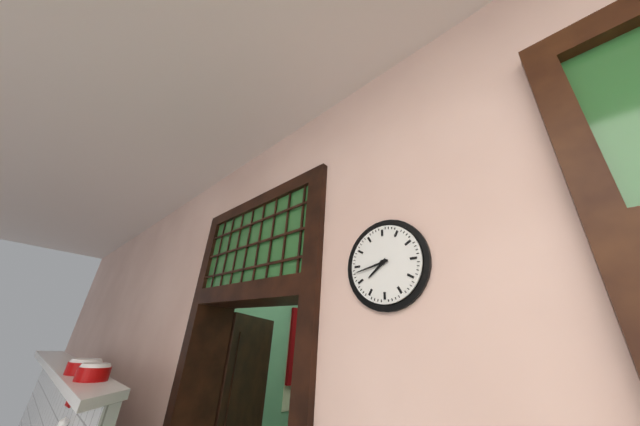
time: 7:43
